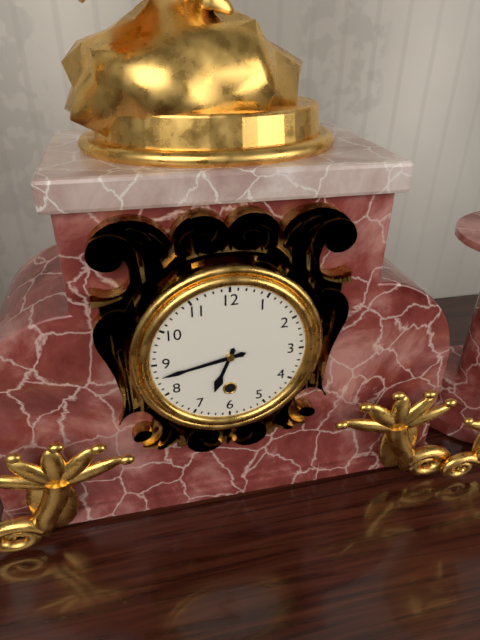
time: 6:43
